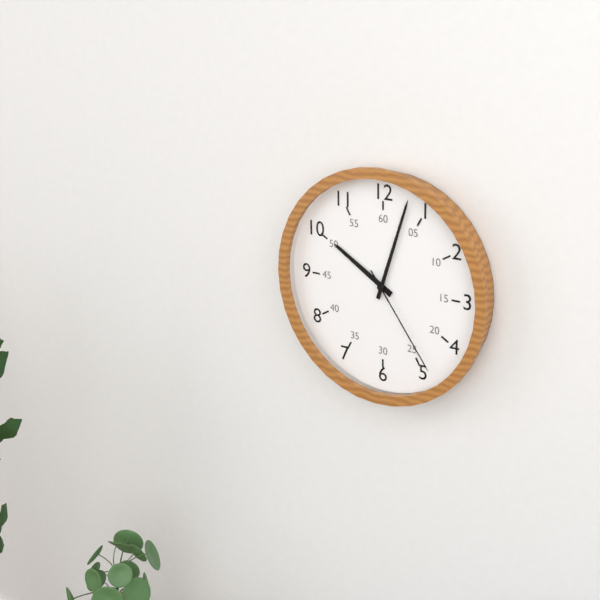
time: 10:03:24
